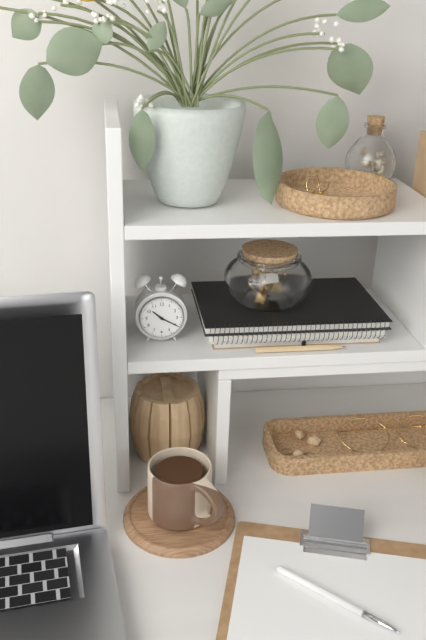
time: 10:20
